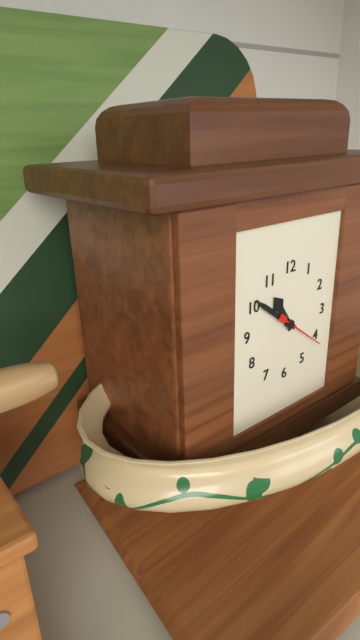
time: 10:51:21
